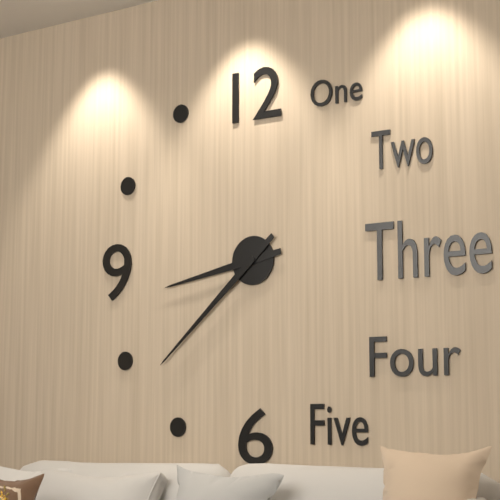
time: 8:38
